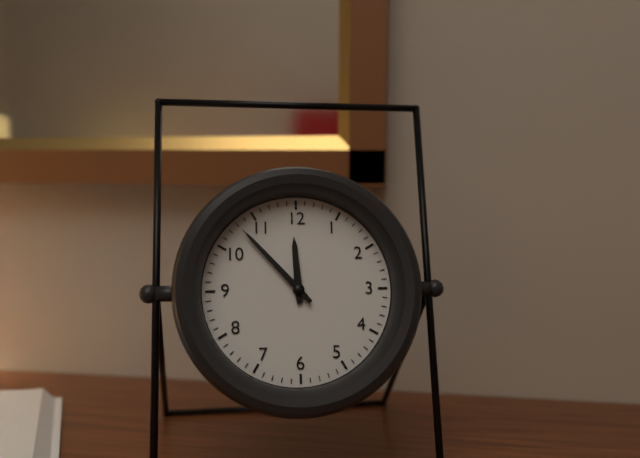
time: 11:53
